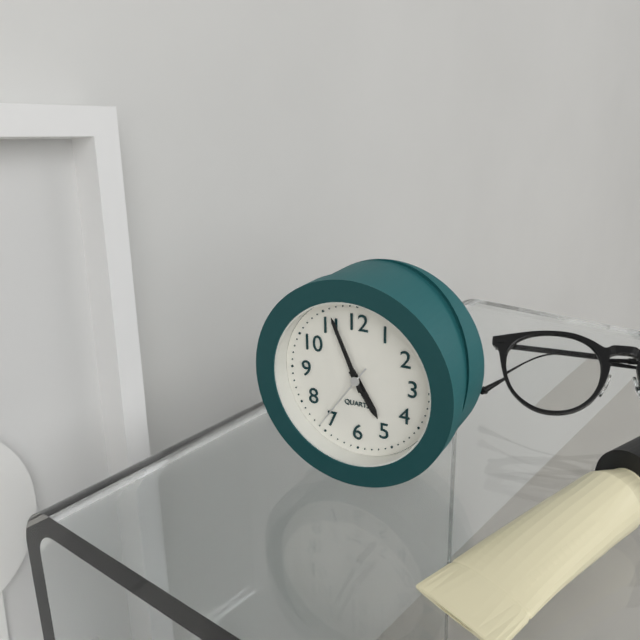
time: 4:56:36
